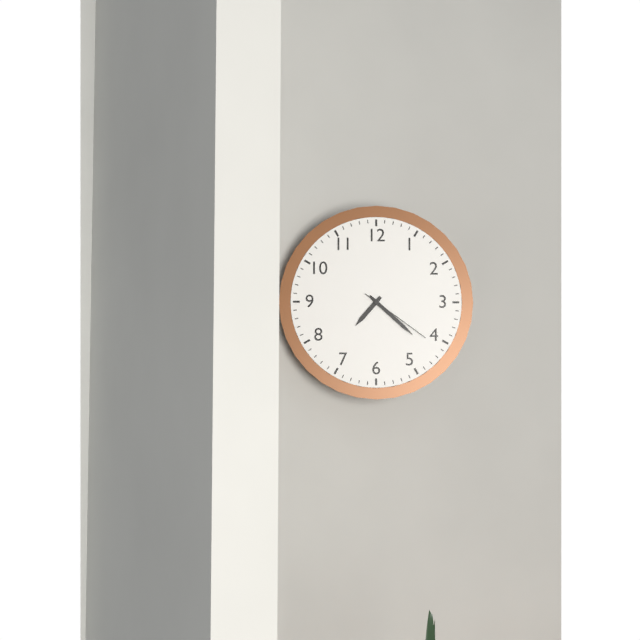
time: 7:22:21
